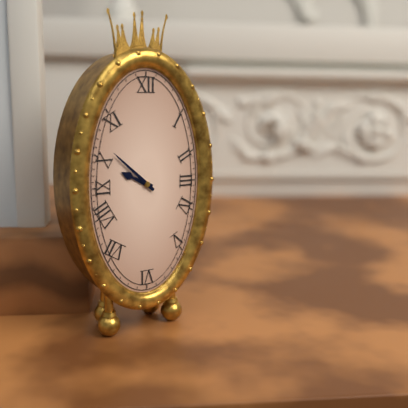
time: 9:52
